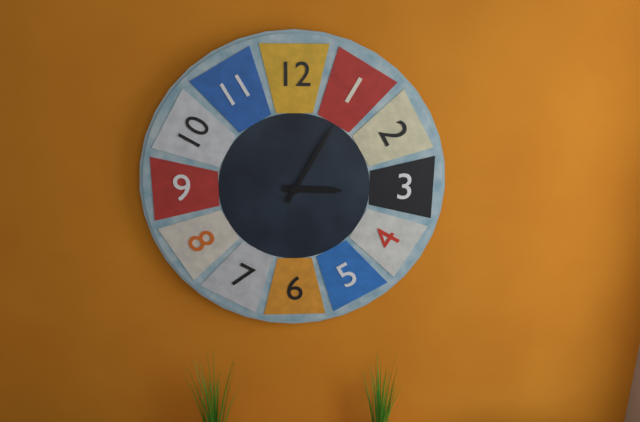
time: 3:05
